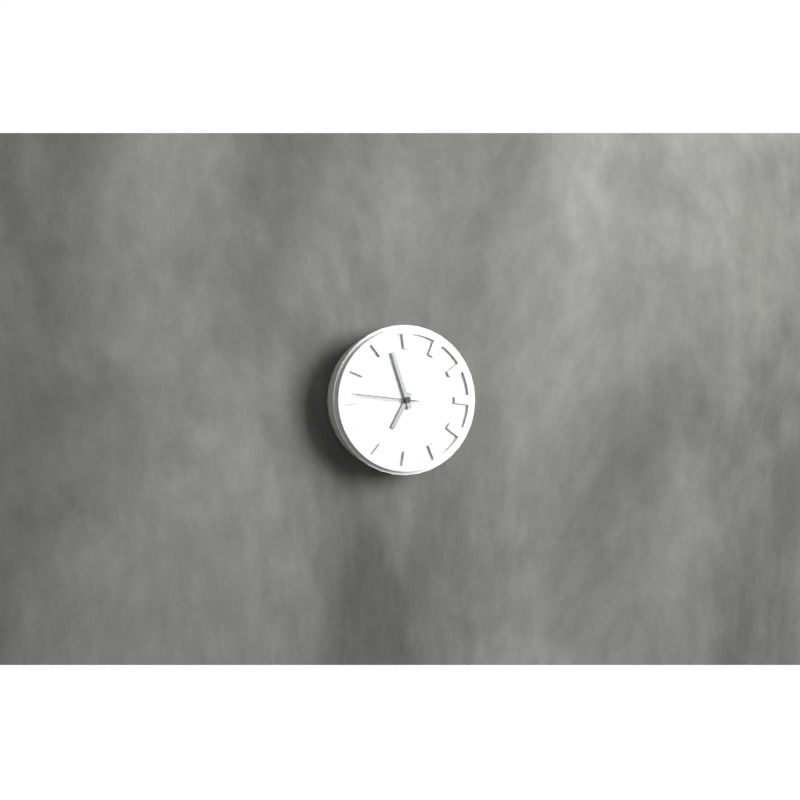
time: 6:57:46
